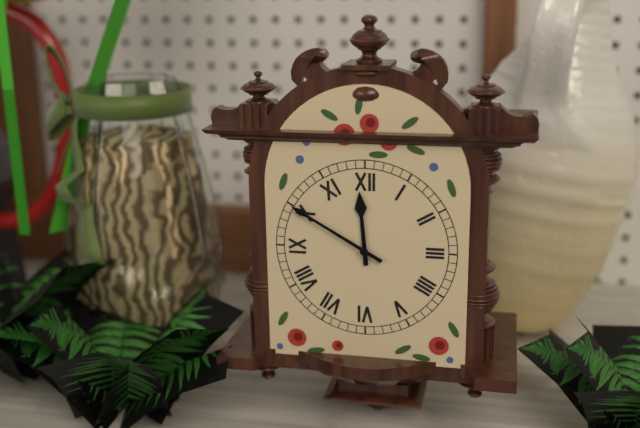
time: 11:50
